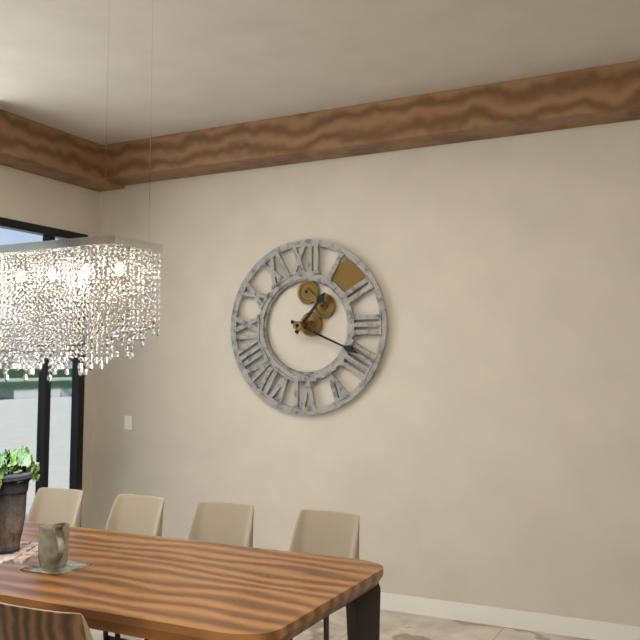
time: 1:19
